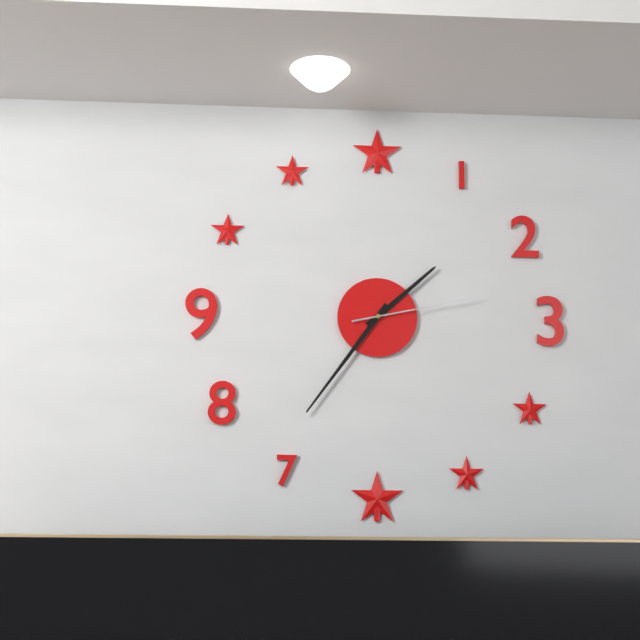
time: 1:36:13
